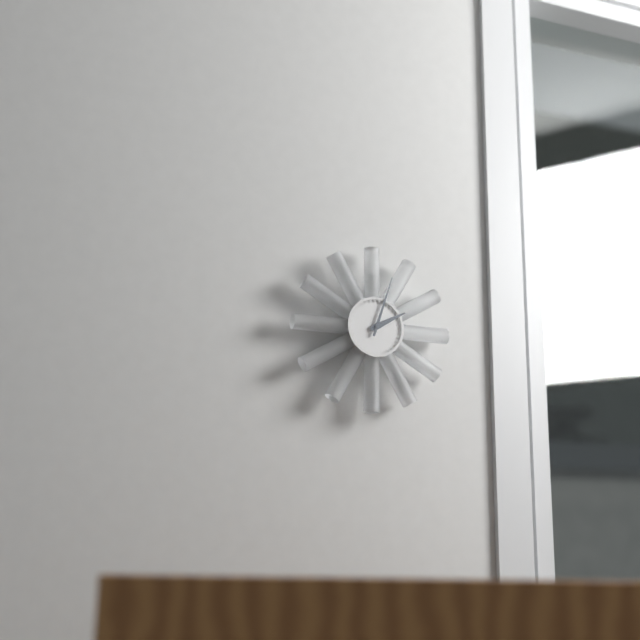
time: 2:03
